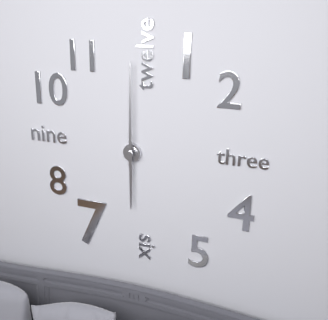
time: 6:00
